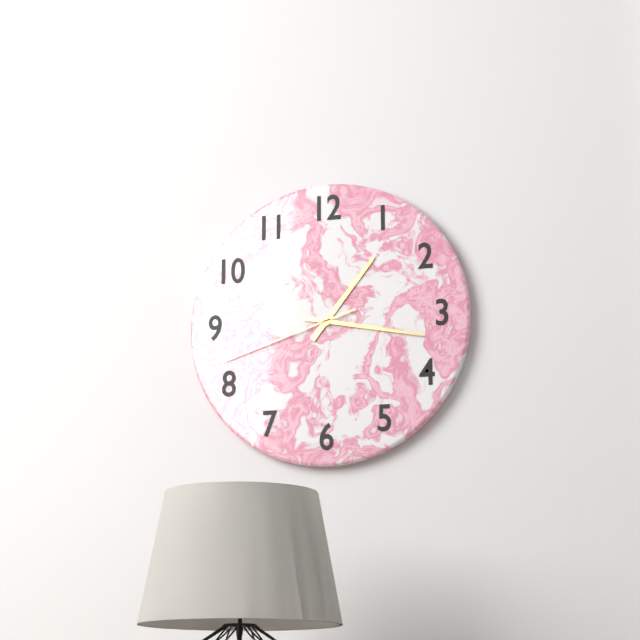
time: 1:17:42
